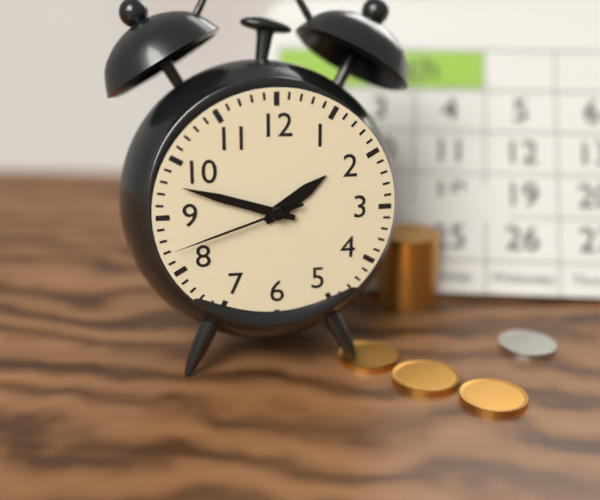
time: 1:48:42
